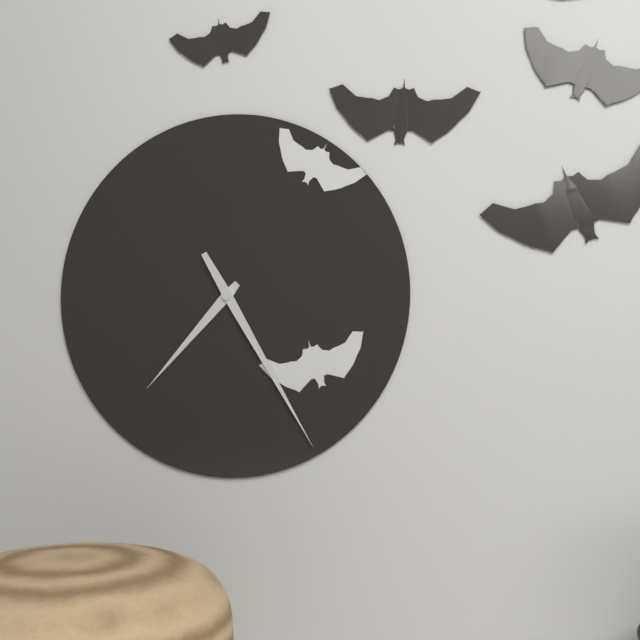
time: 7:25
